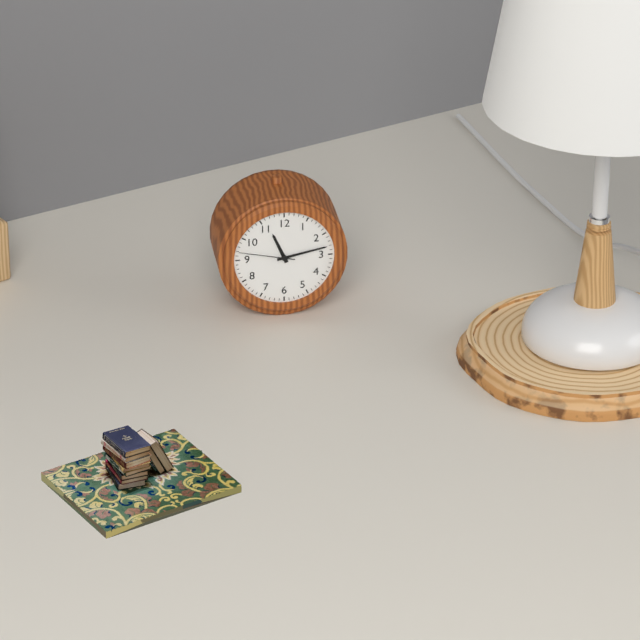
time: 11:13:47
